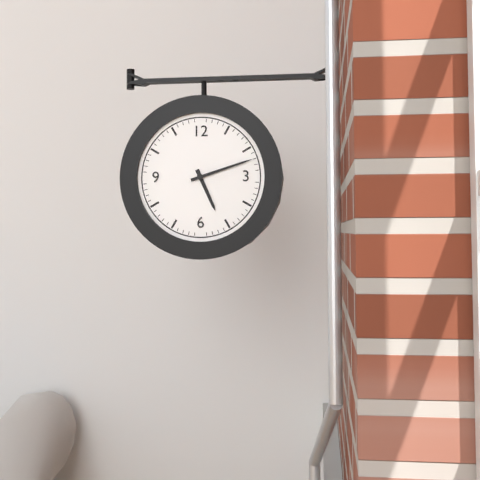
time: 5:12
